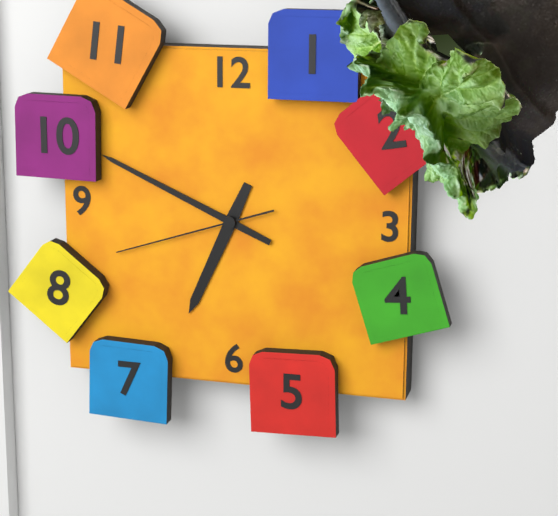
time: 6:49:42
